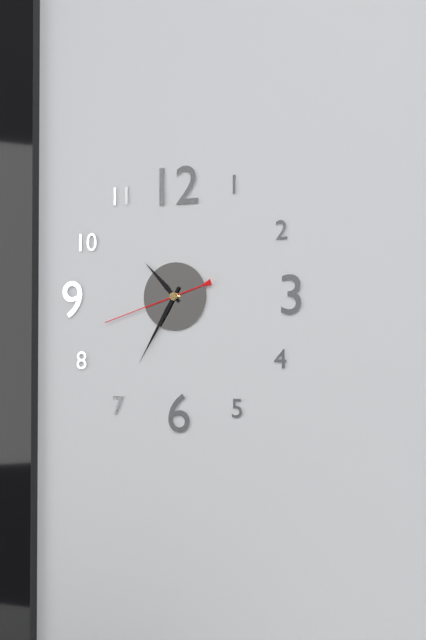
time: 10:35:42
